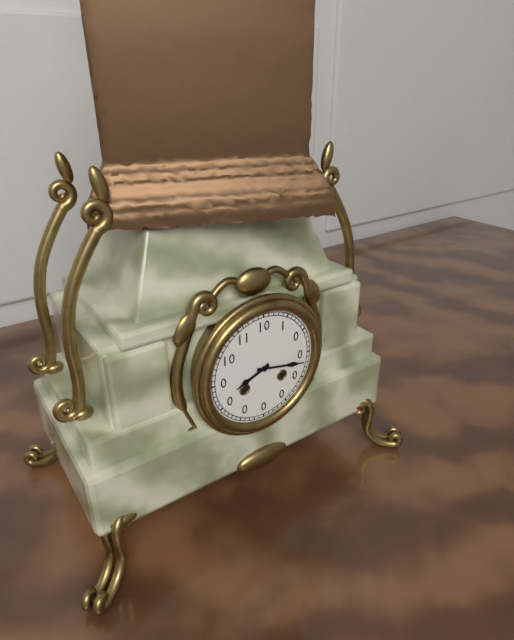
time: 8:17
